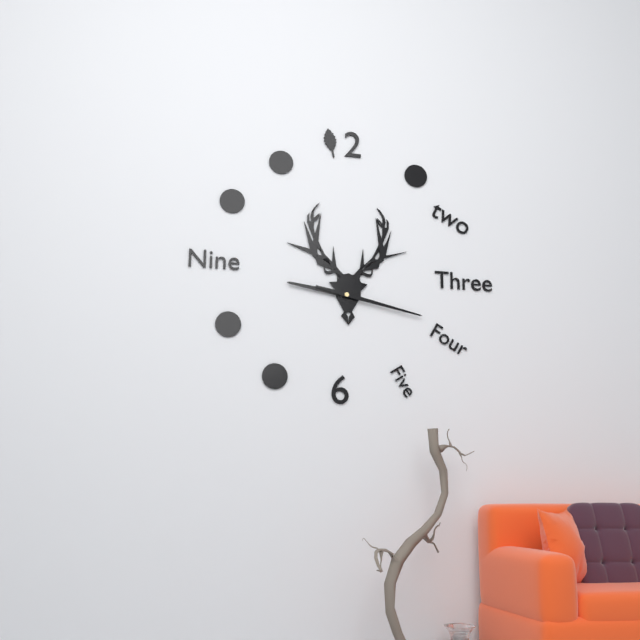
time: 9:17
